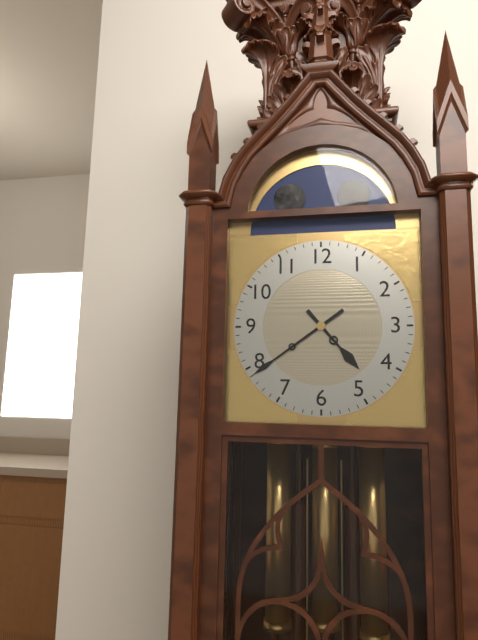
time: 4:39
